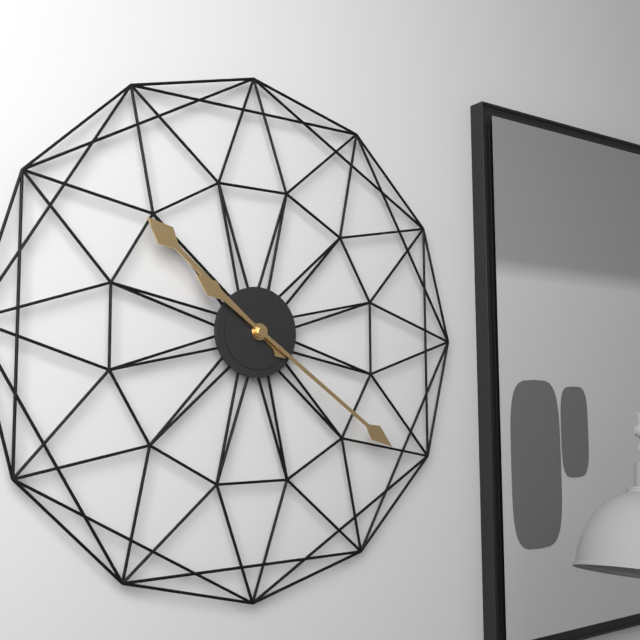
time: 10:21
